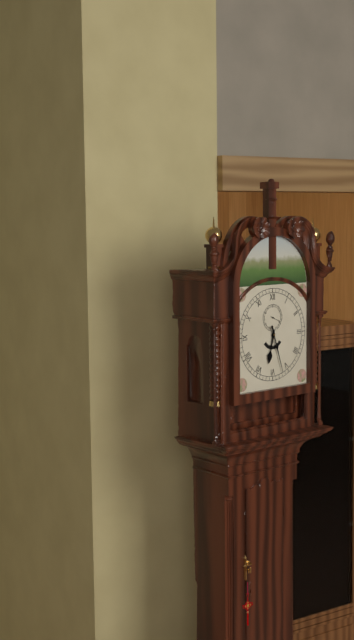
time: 6:27
